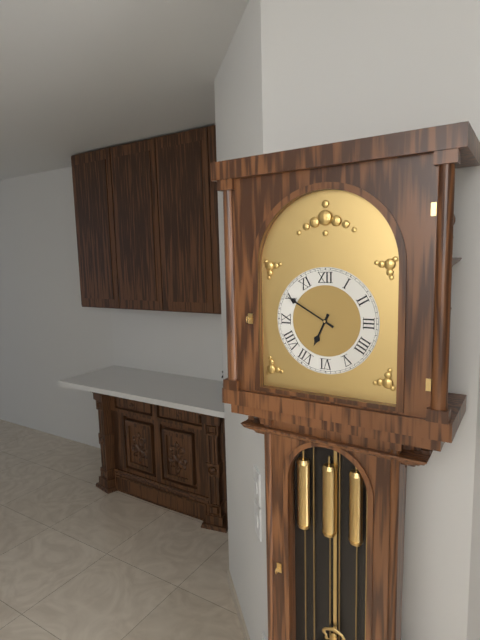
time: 6:50
